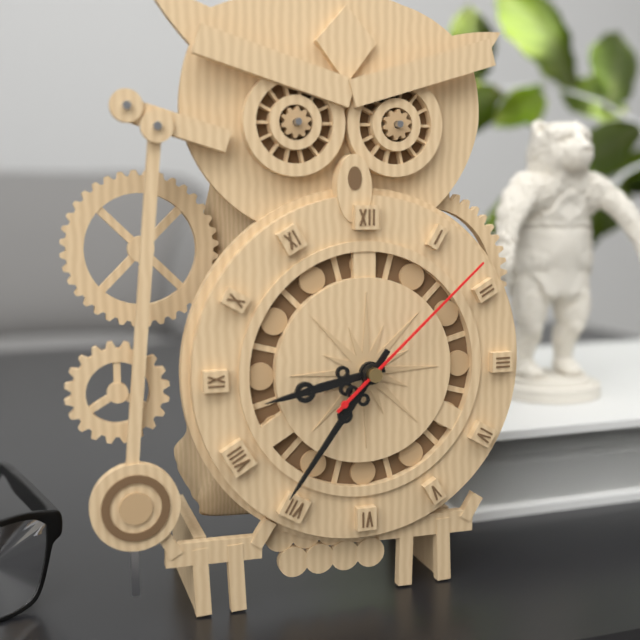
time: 8:36:08
